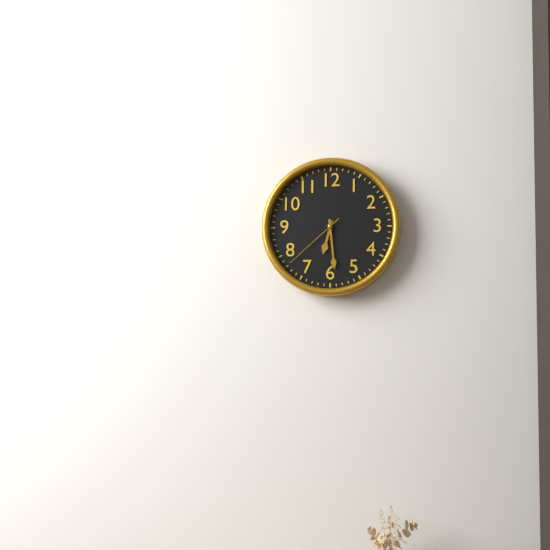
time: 6:29:38
